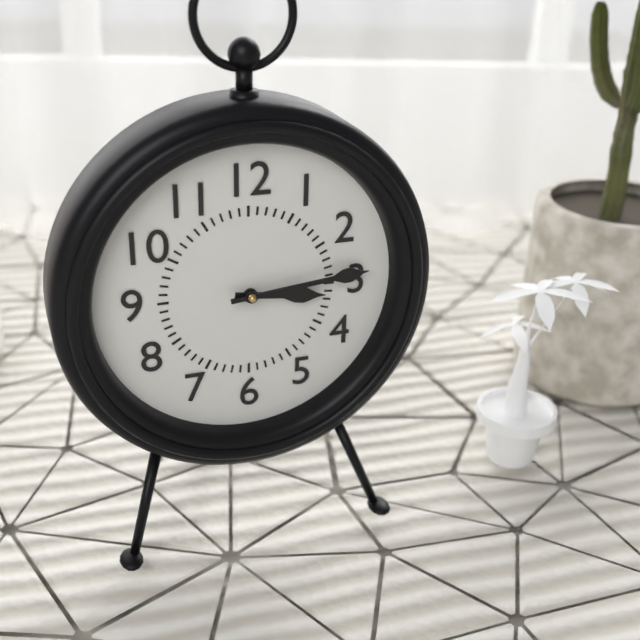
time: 3:14
